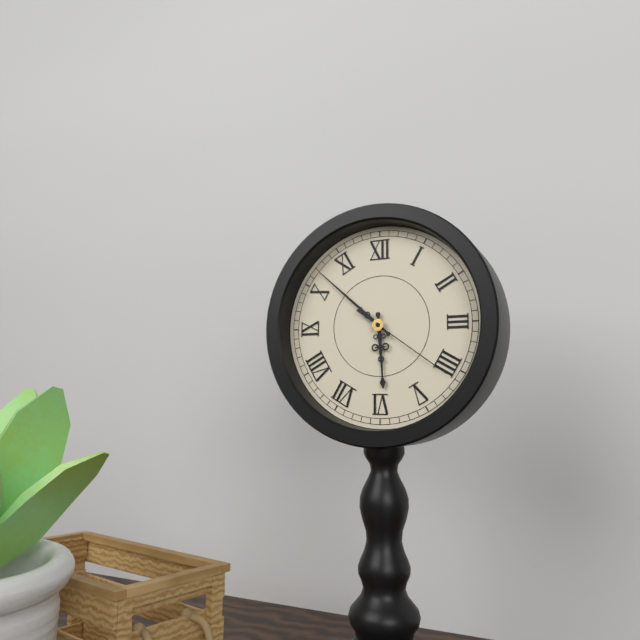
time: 5:52:21
